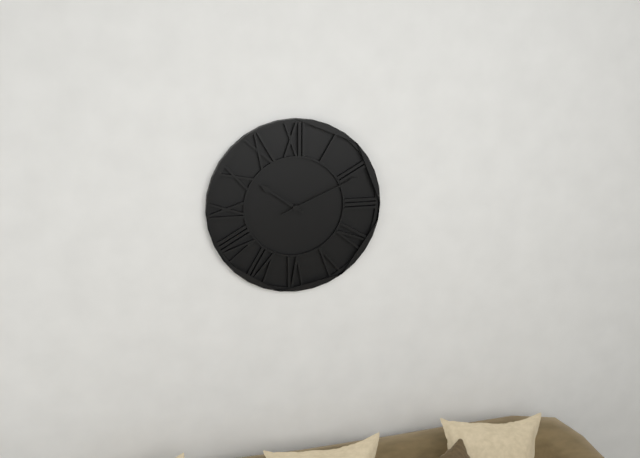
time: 10:11
